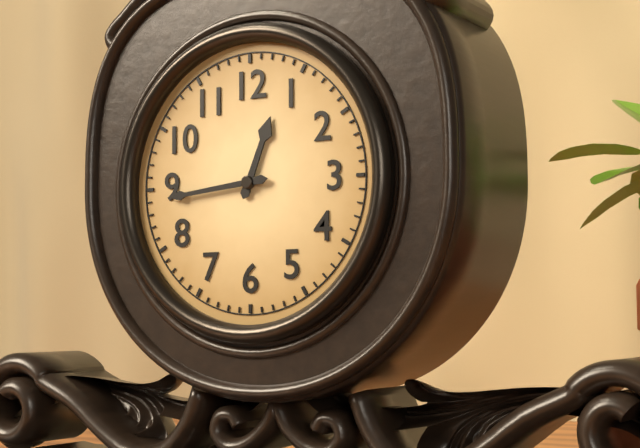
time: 12:44
